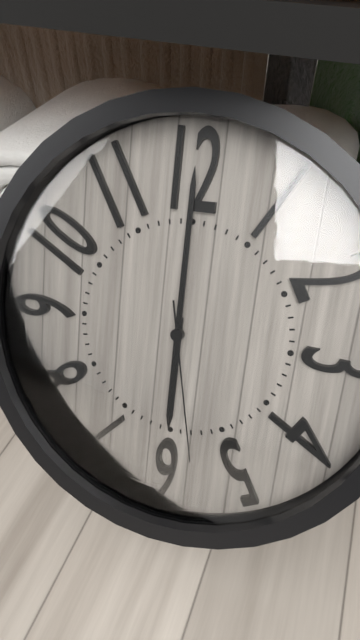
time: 6:00:28
